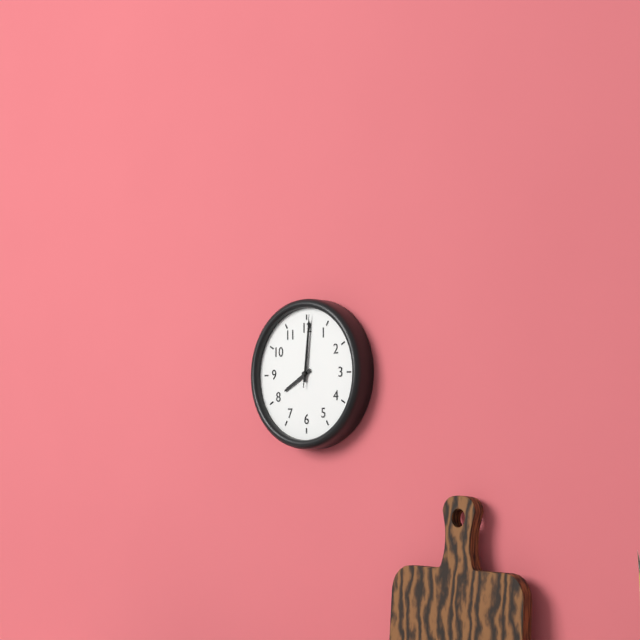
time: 8:01:01
